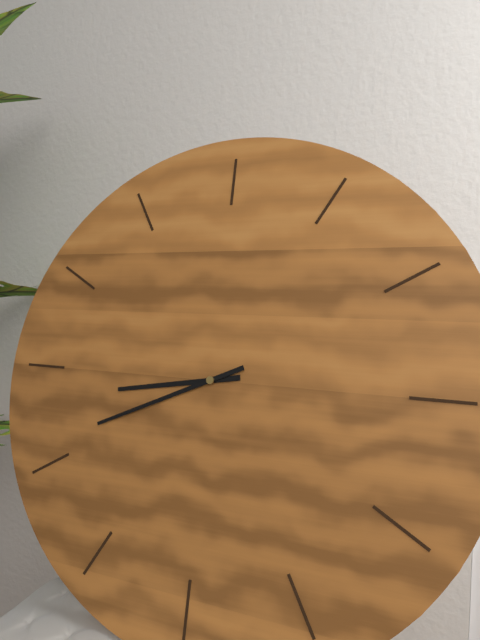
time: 8:41
